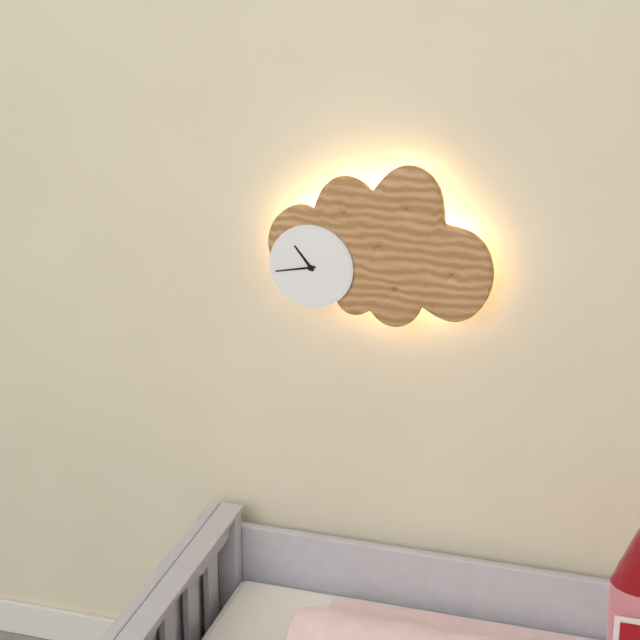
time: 10:43
